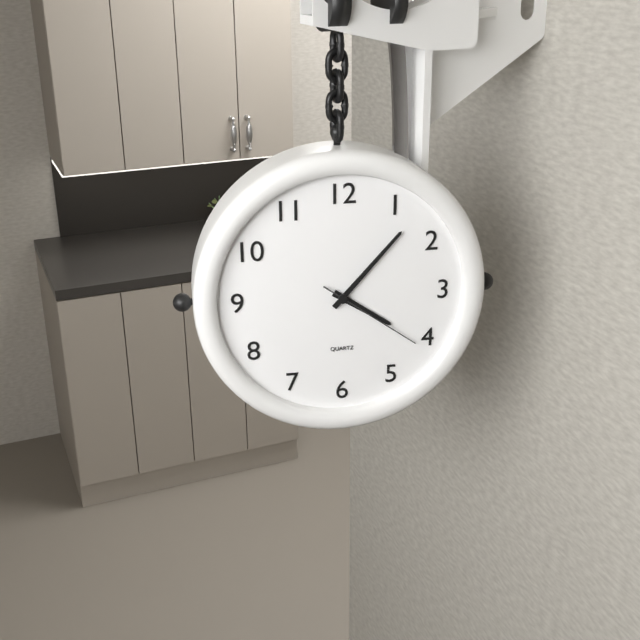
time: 4:07:21
